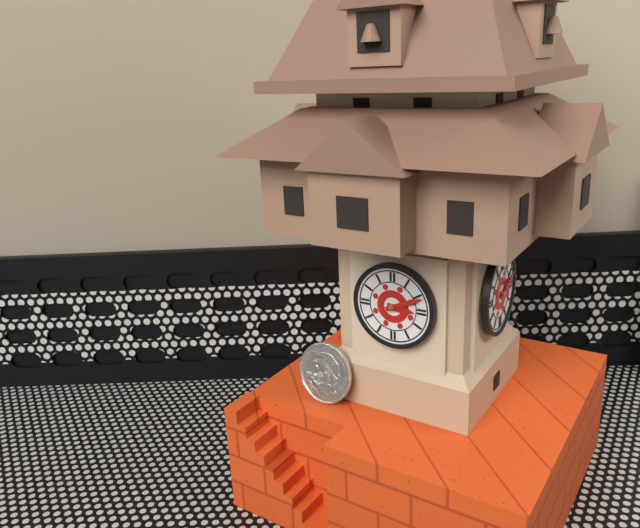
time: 3:11
